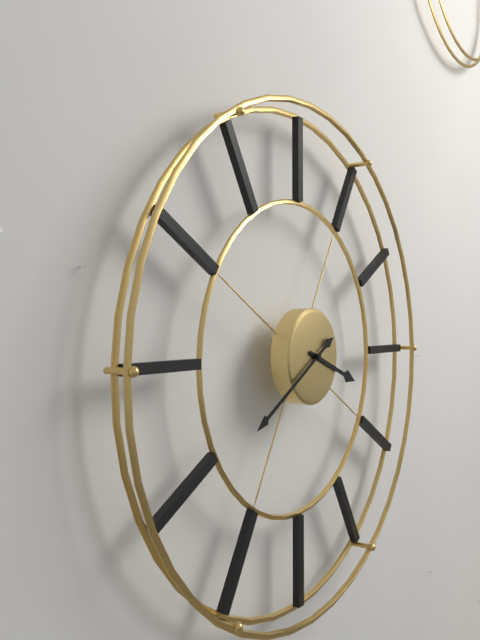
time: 3:40
